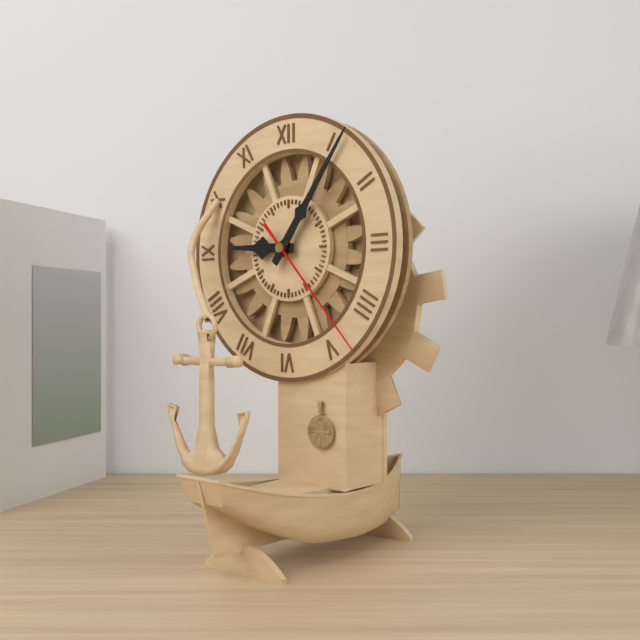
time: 9:06:23
